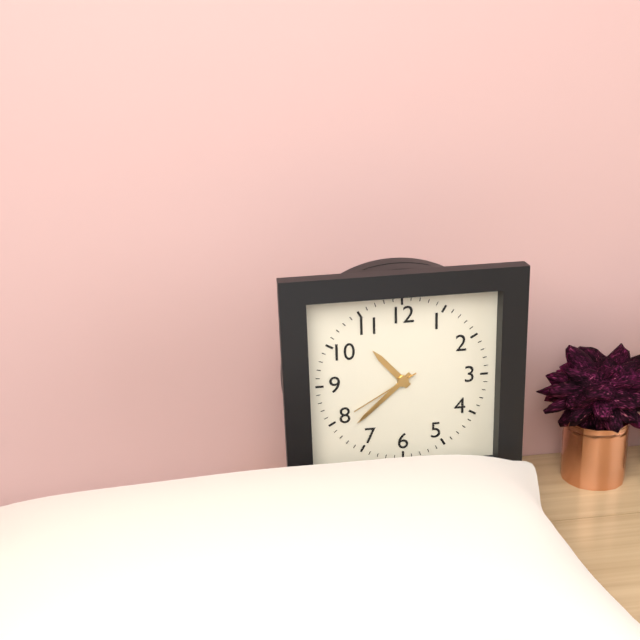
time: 10:38:40
